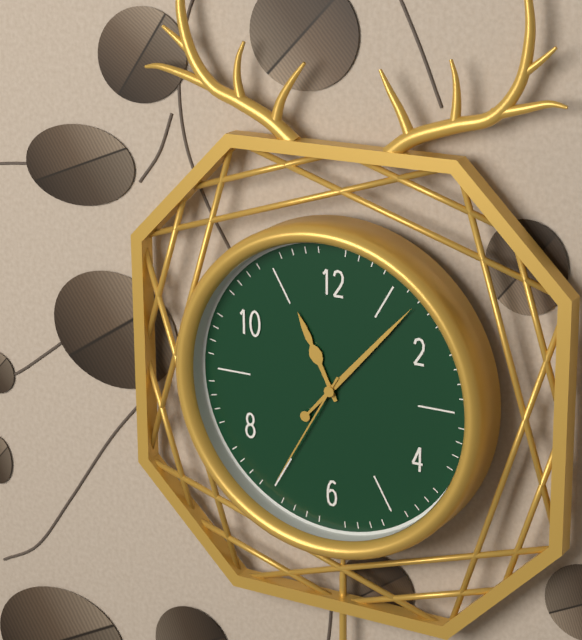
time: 11:07:35
